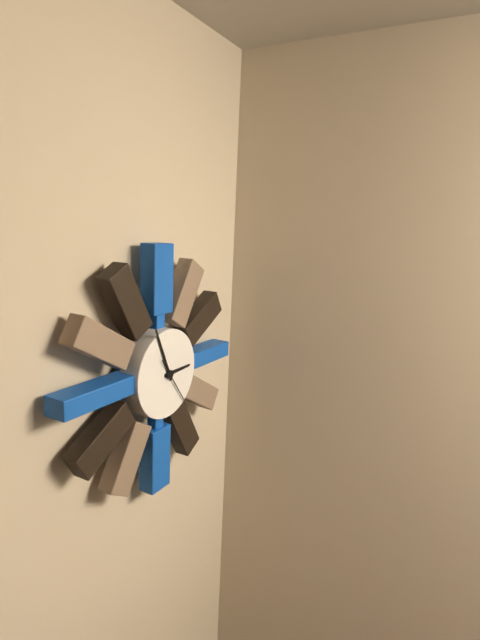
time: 2:56
